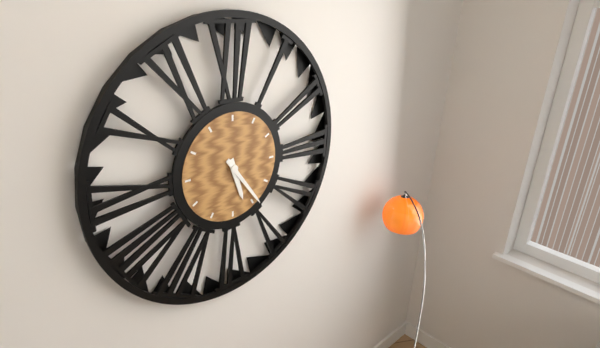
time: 5:24
